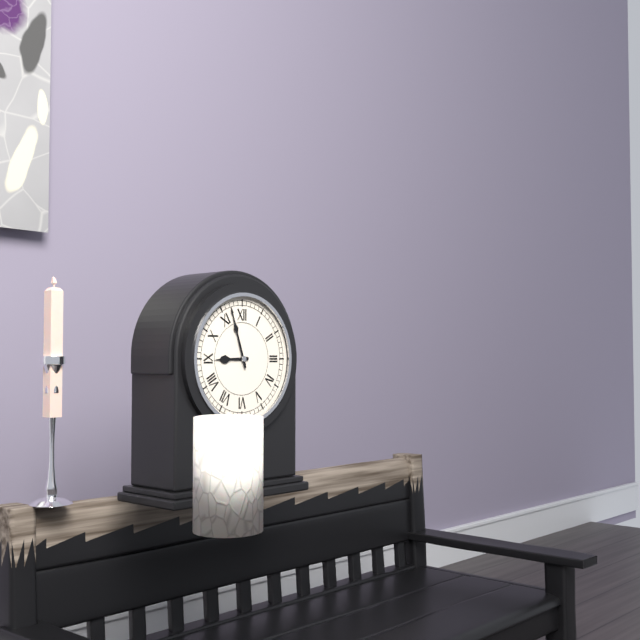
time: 8:57
